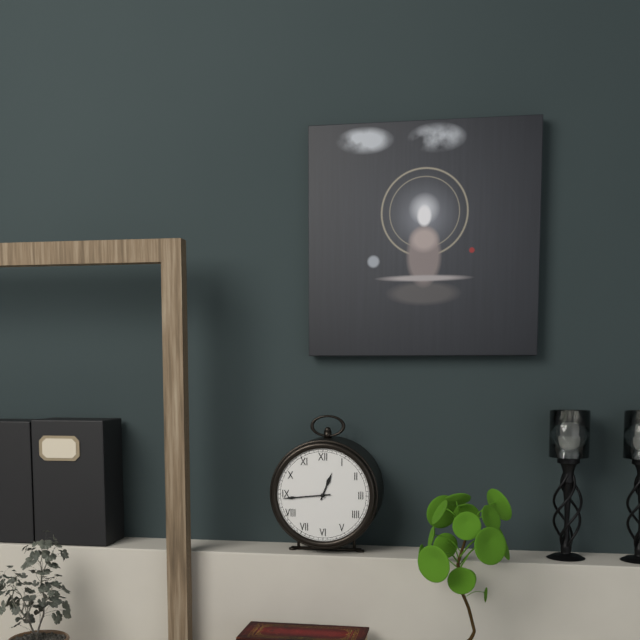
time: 12:44
